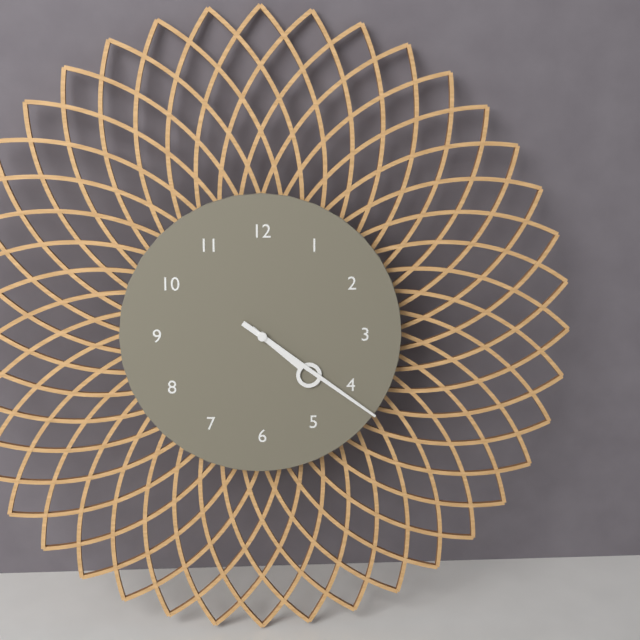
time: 4:21
